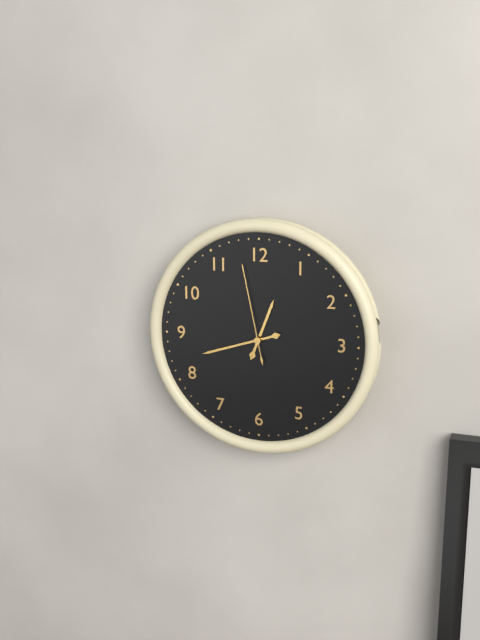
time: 12:42:58
